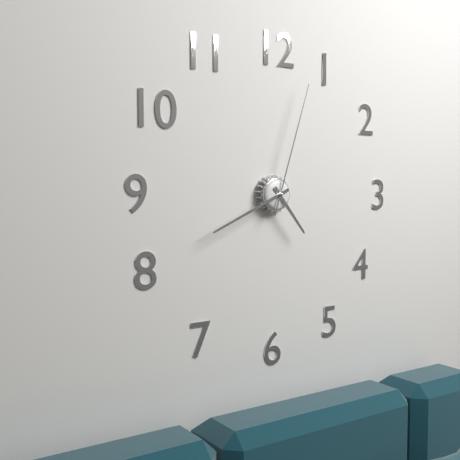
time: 4:41:03
